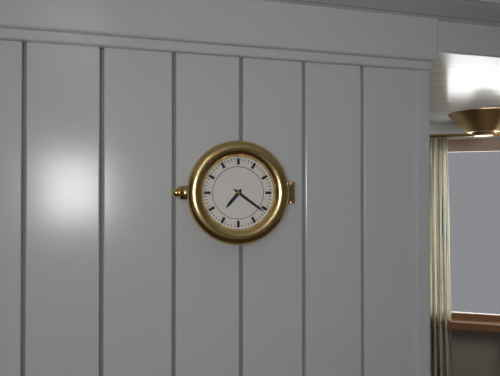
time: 7:21
